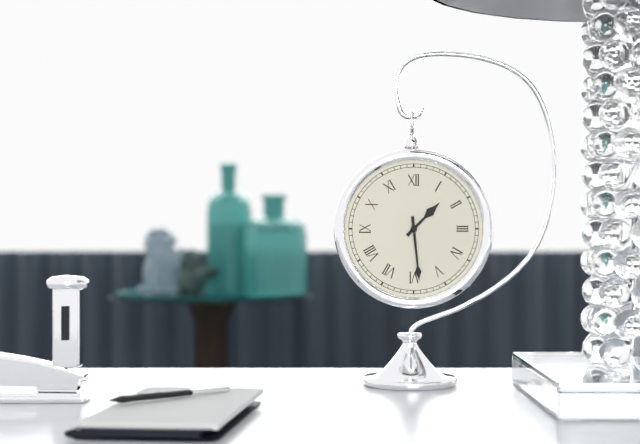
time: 1:29
